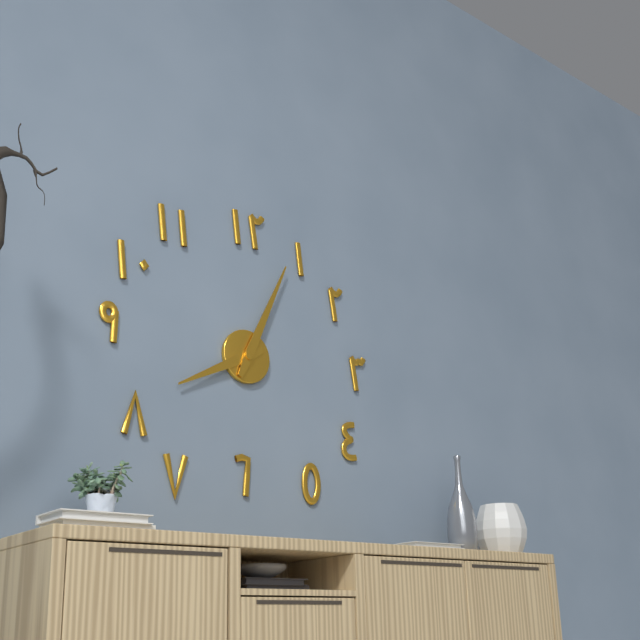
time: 8:04
